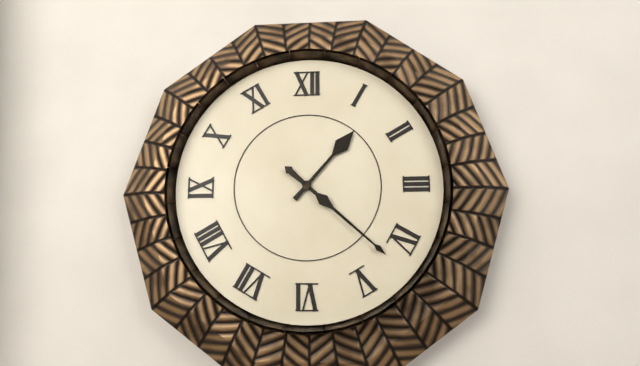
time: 1:22
